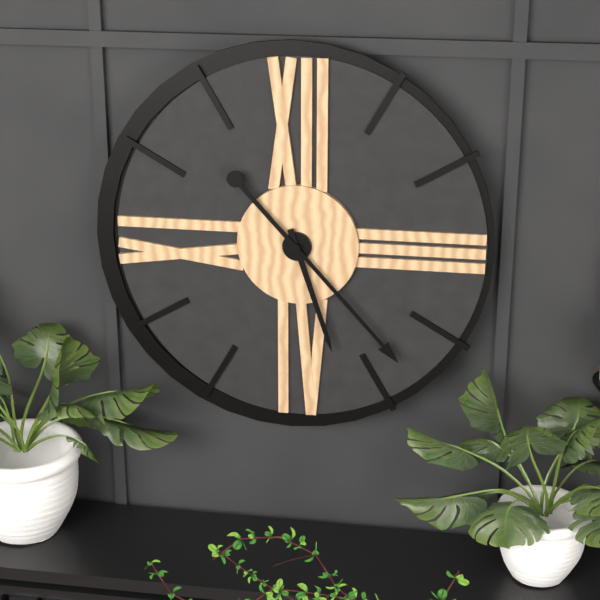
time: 5:23
